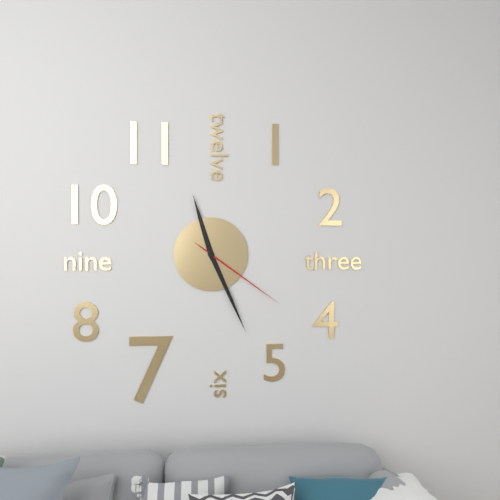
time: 11:26:21
